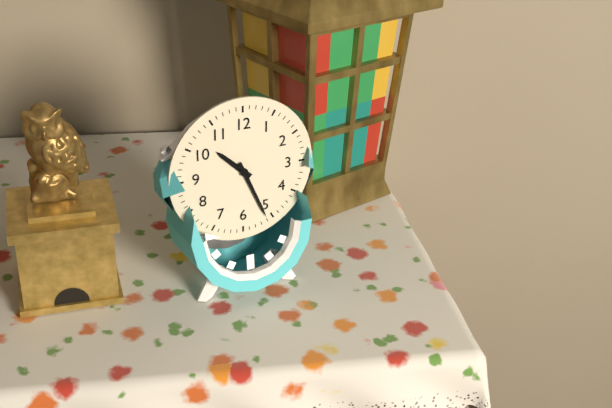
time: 10:26
